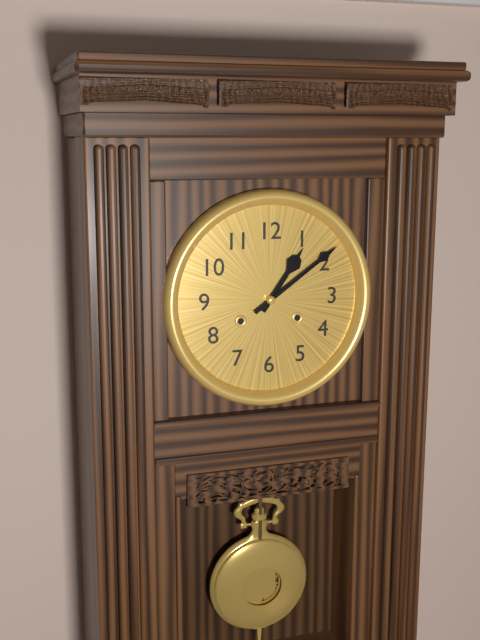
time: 1:09
